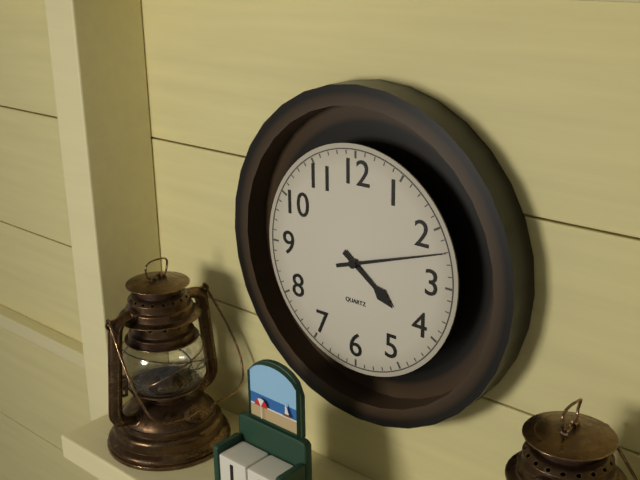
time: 4:12
